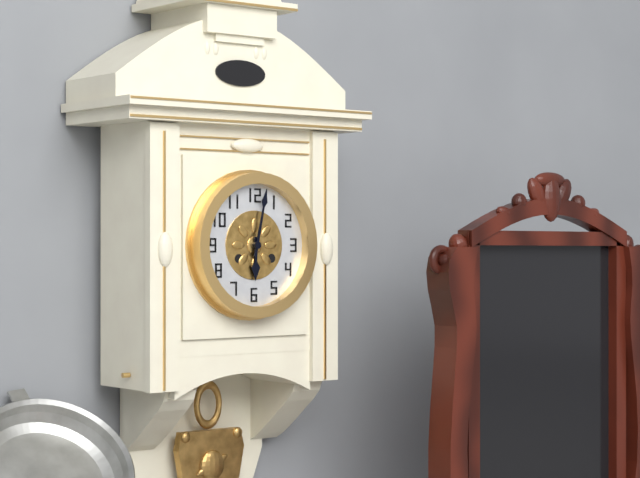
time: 6:02
